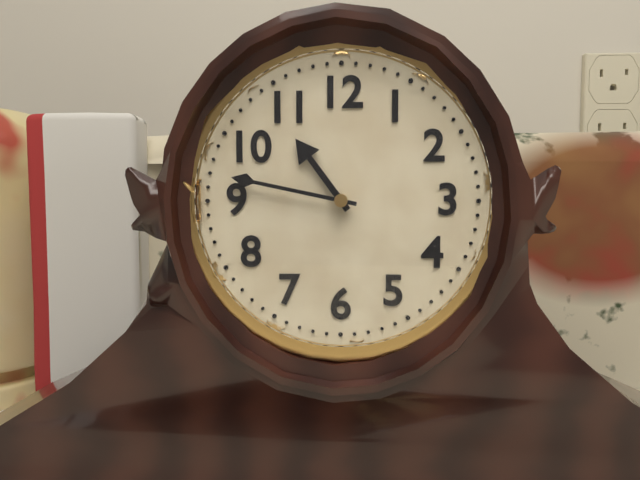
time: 10:47
